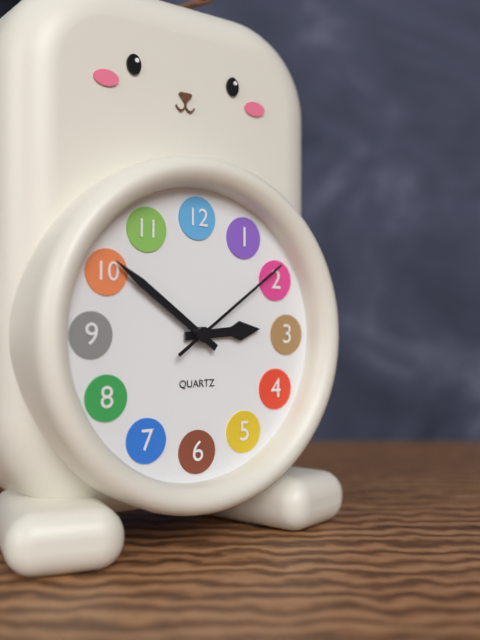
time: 2:51:09
